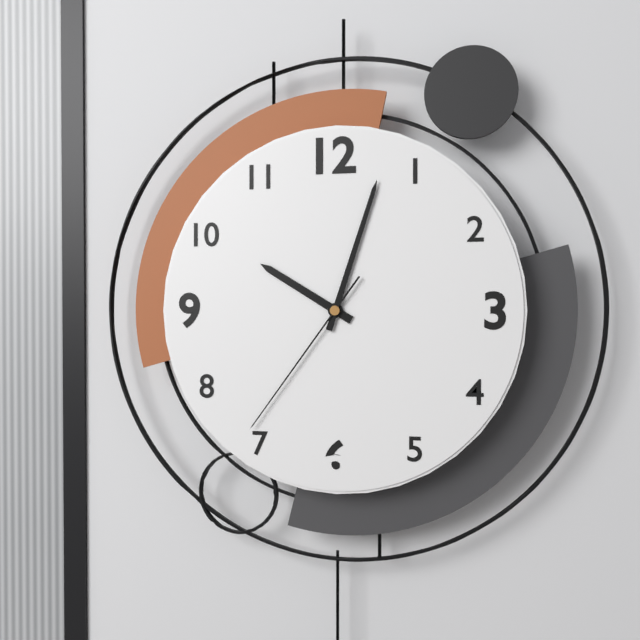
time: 10:03:36
